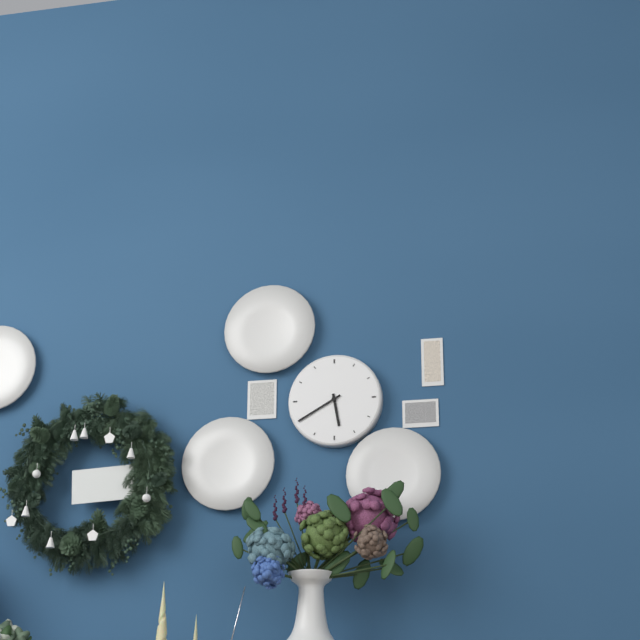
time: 5:40
